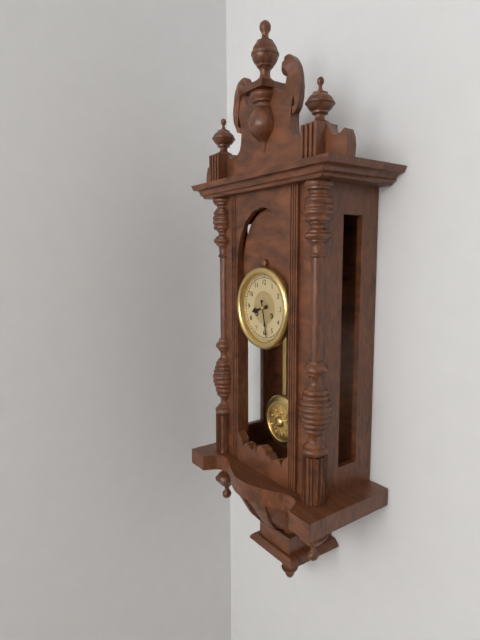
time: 8:28
